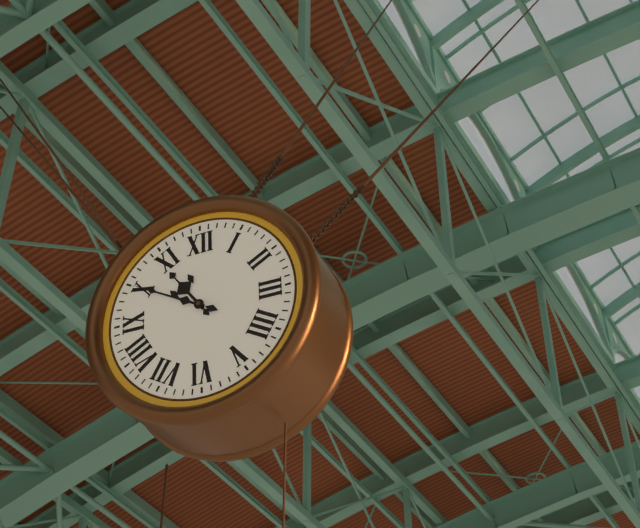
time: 10:50
